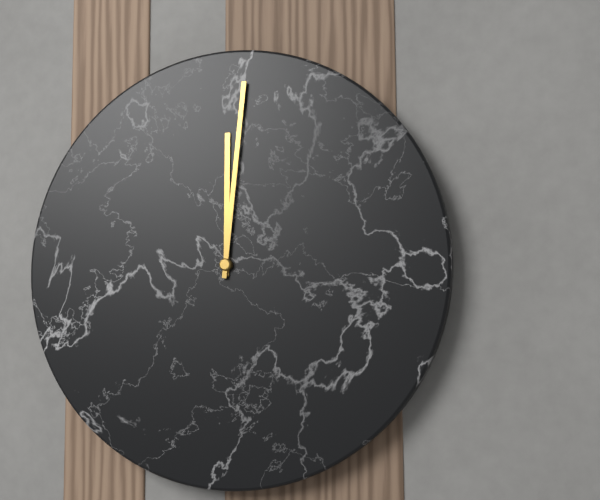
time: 12:01
